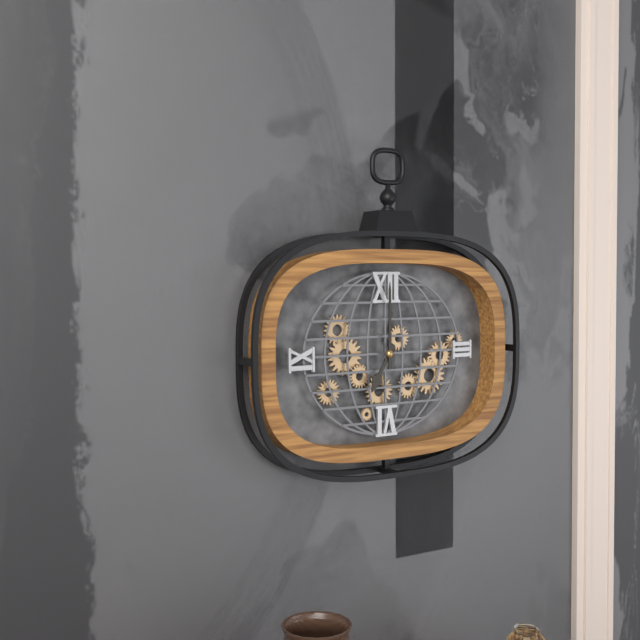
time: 7:00
